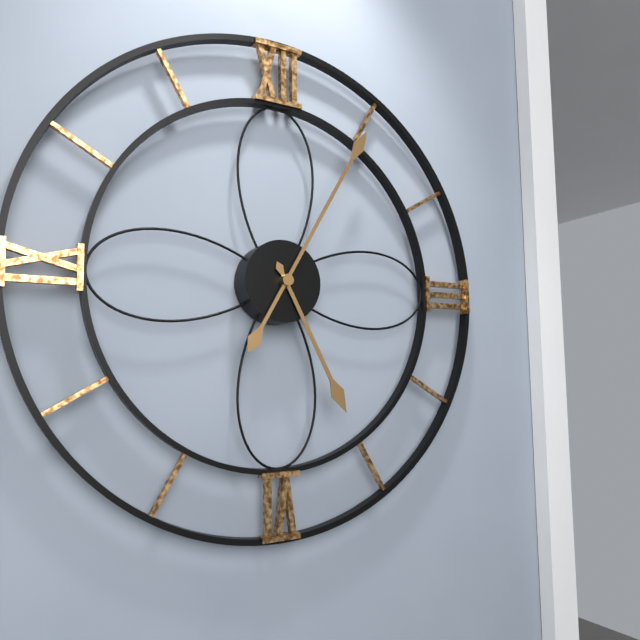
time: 5:05
